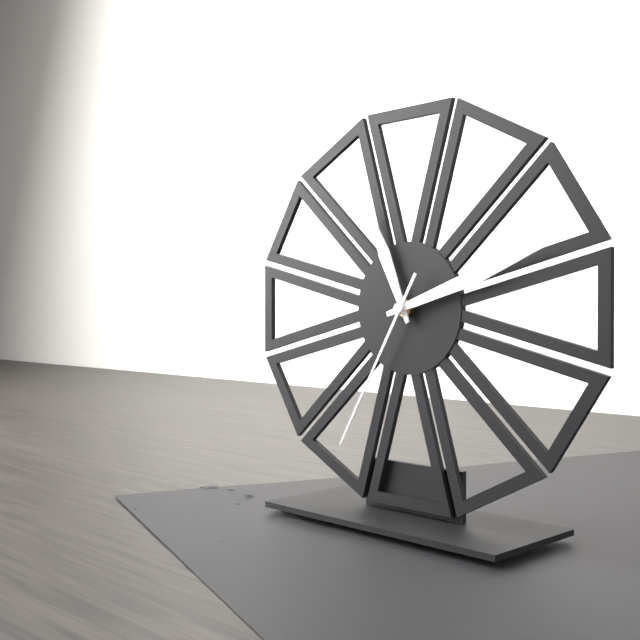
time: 11:12:35
